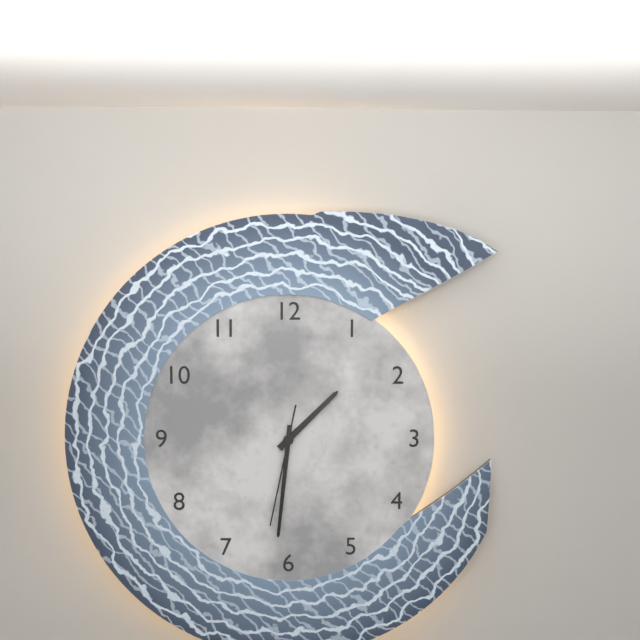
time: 1:31:32
